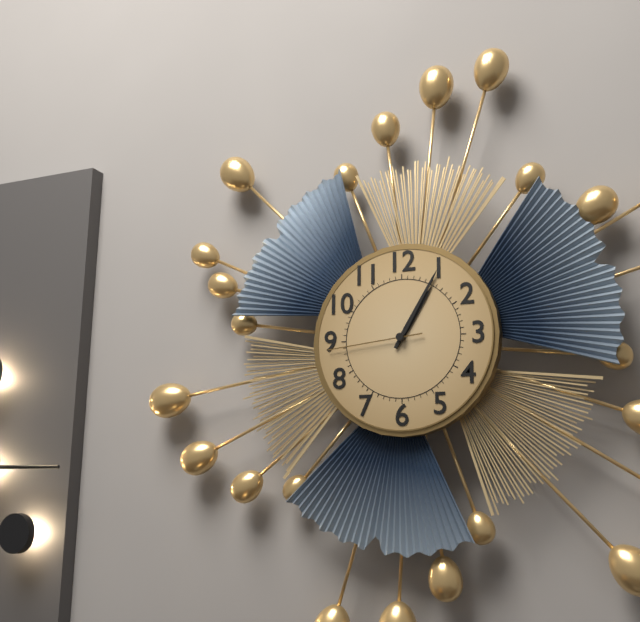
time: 1:05:44
